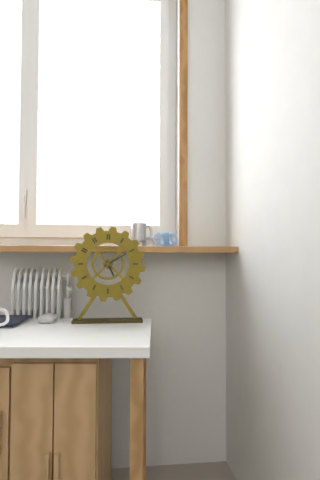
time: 5:10
